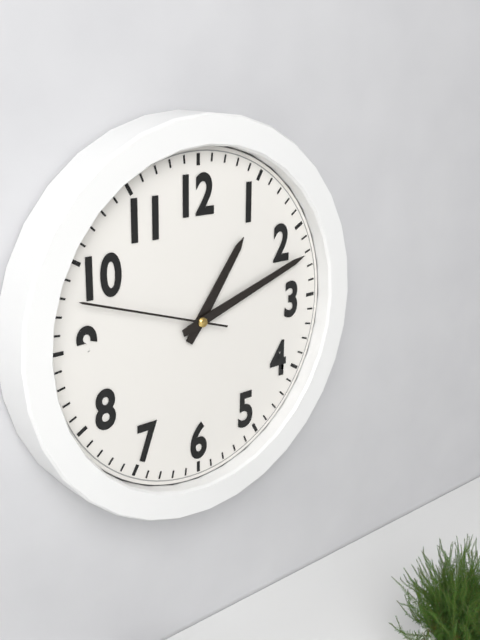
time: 1:12:48
